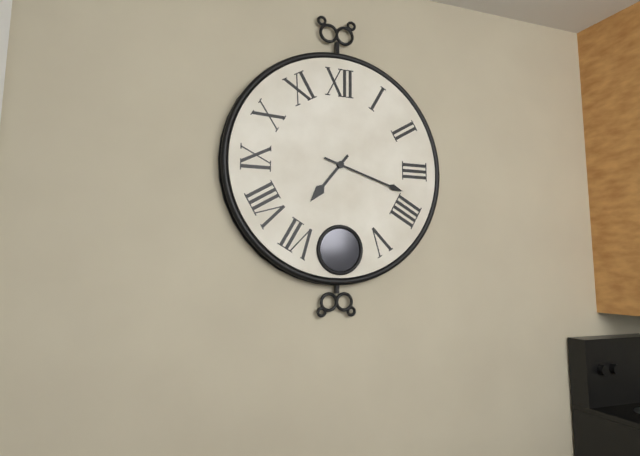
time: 7:18
